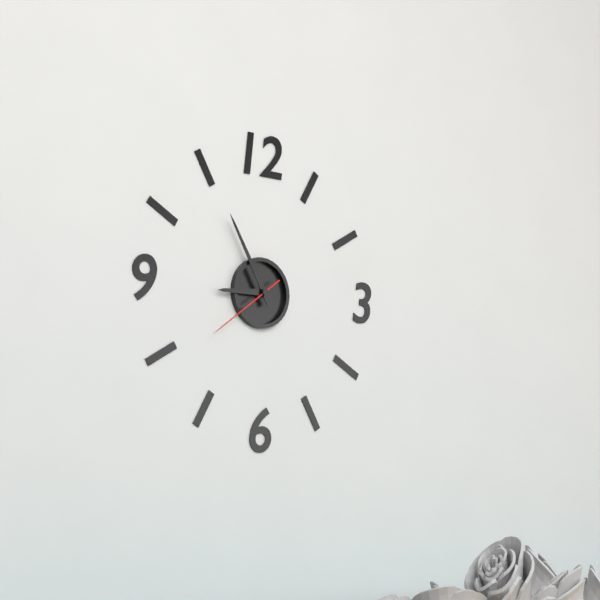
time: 8:55:39
